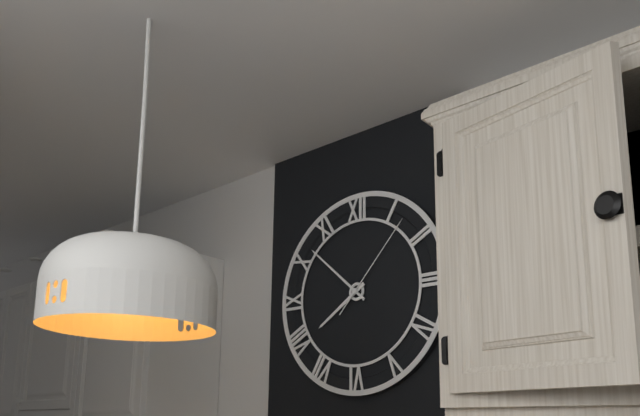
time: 7:52:07
